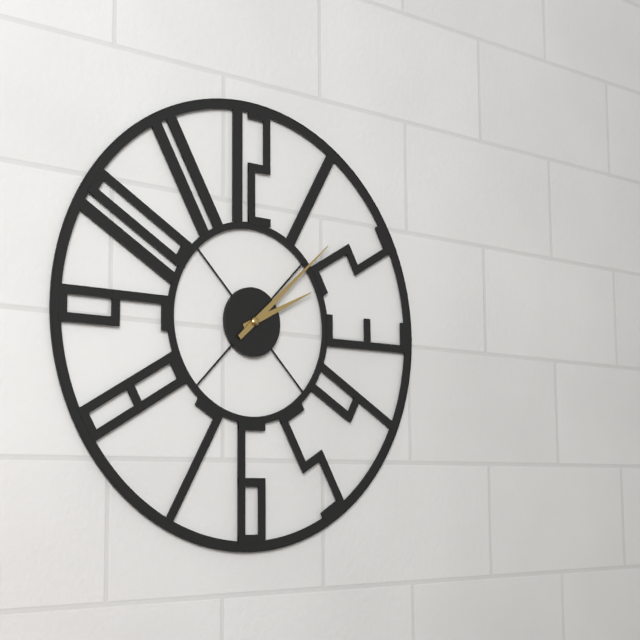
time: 2:08
